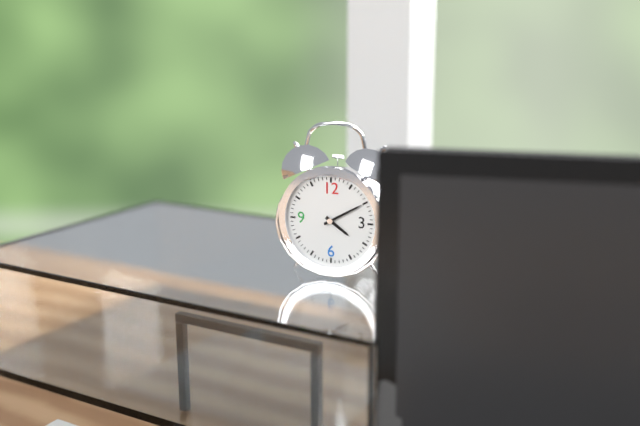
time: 4:10
